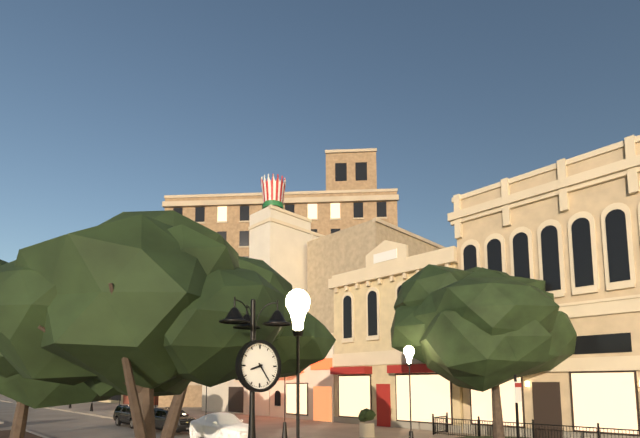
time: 8:24
